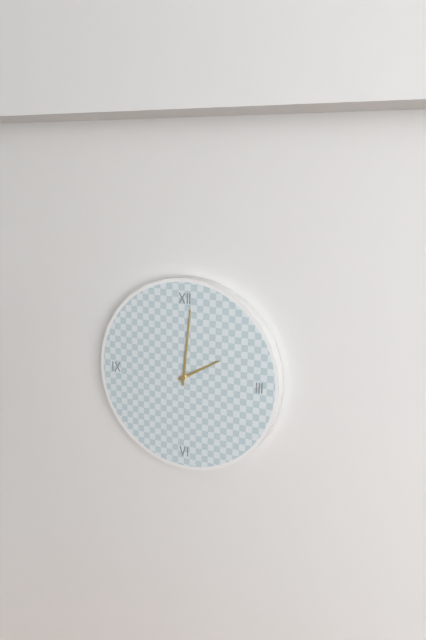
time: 2:01
